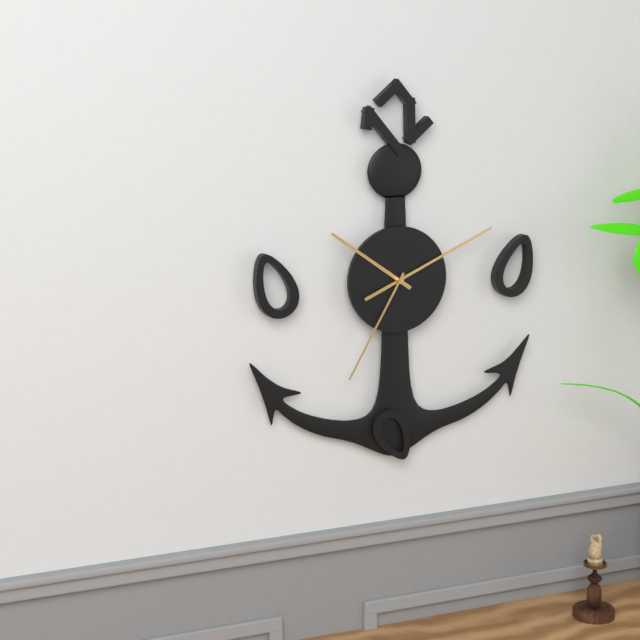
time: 10:11:35
